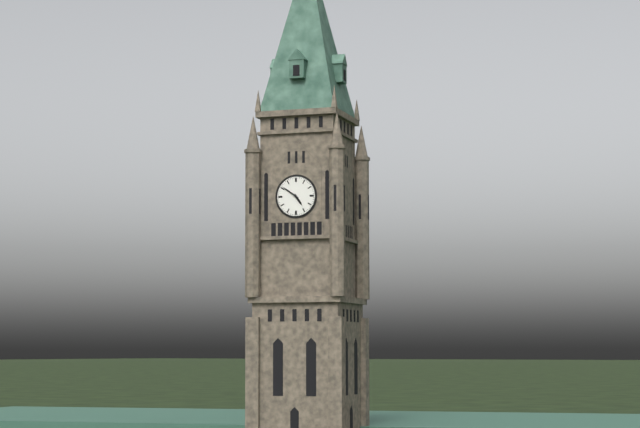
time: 4:51
